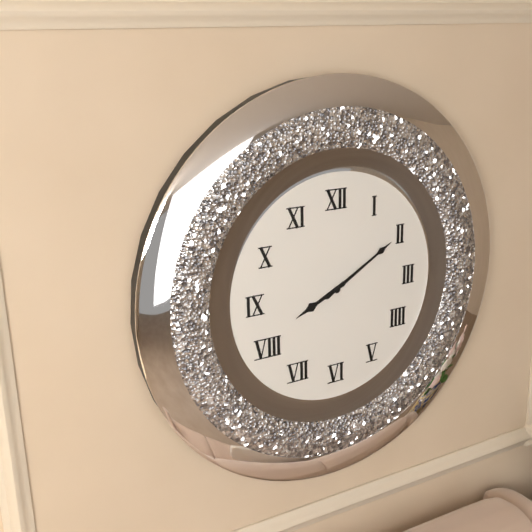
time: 8:10
